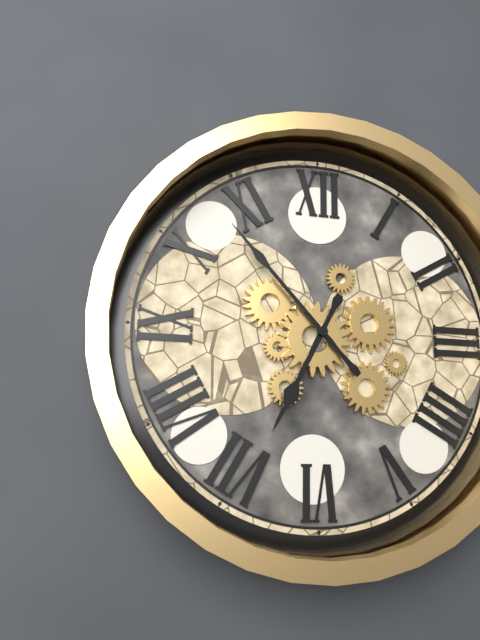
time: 6:53
